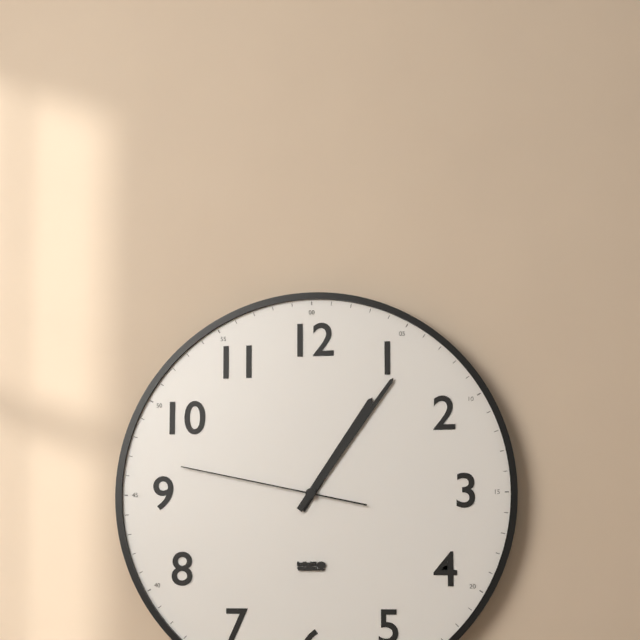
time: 1:06:47
